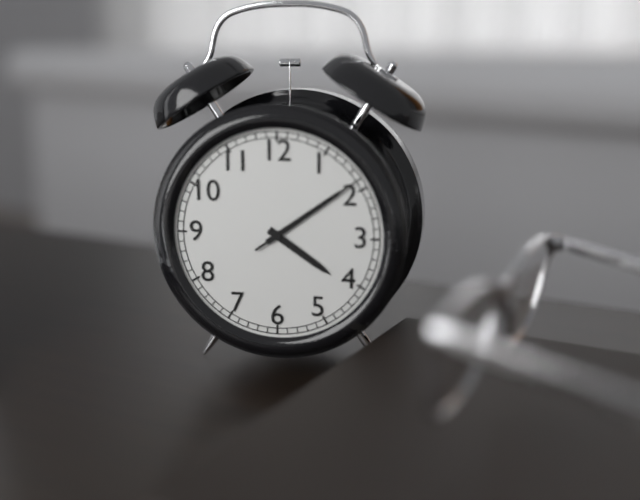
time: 4:09:09
